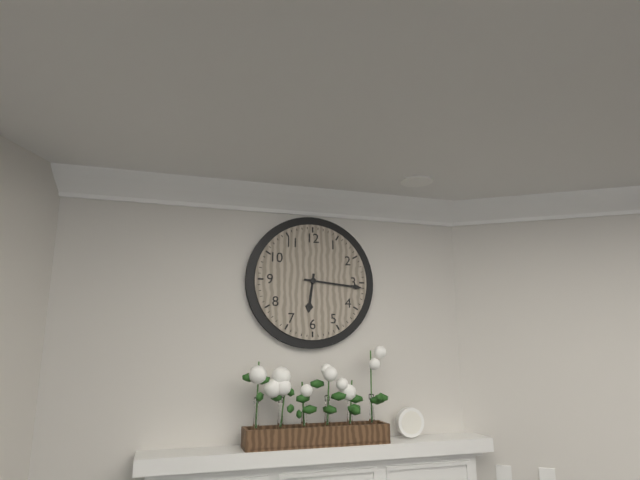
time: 6:16
